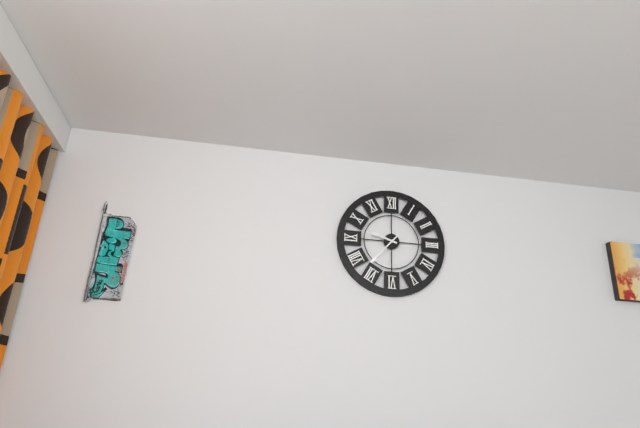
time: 9:37
